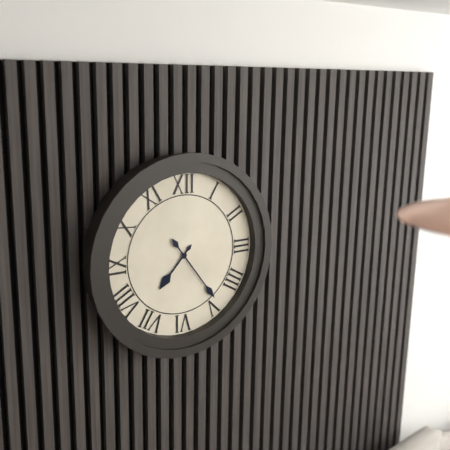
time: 7:24
